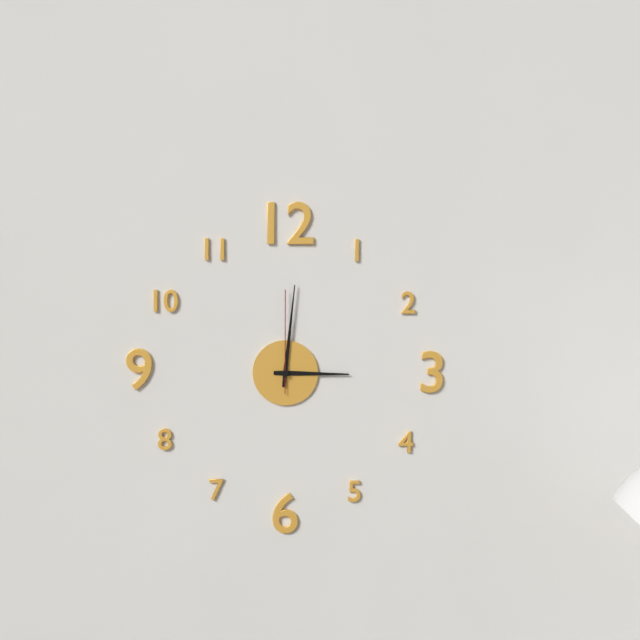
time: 3:01:00
